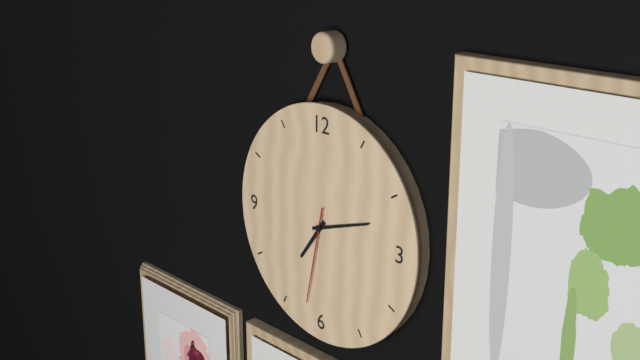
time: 7:12:32
